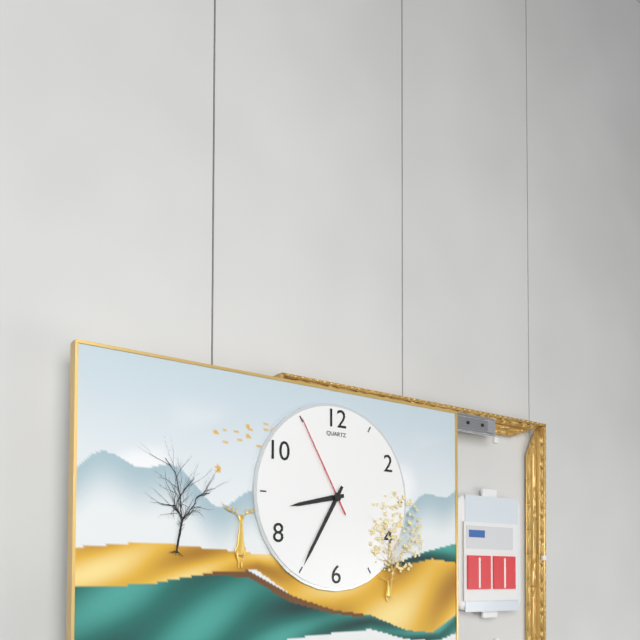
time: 8:35:55
